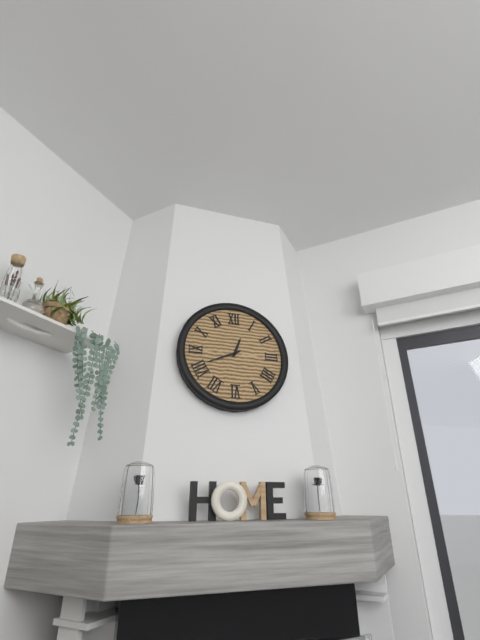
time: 12:41
